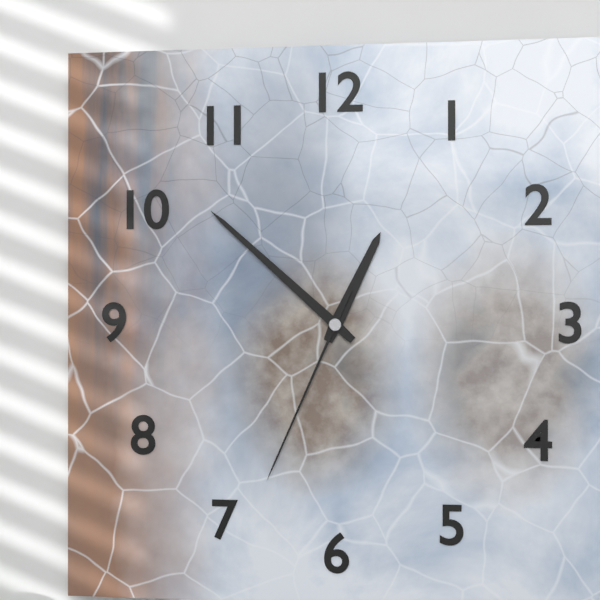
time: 12:52:34
